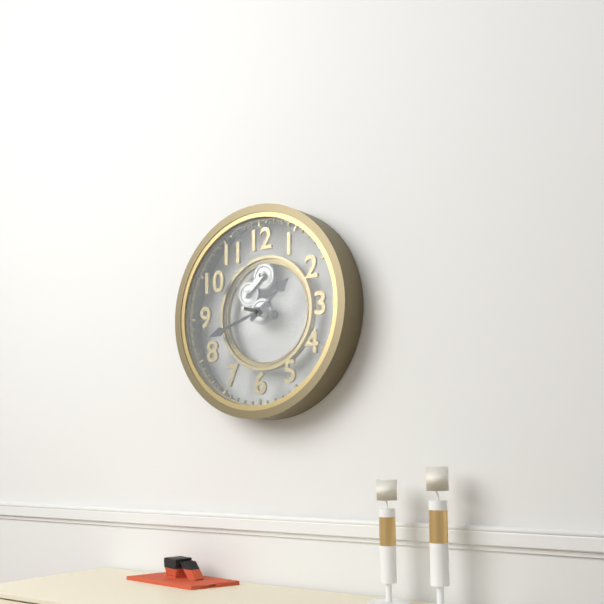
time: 1:42
